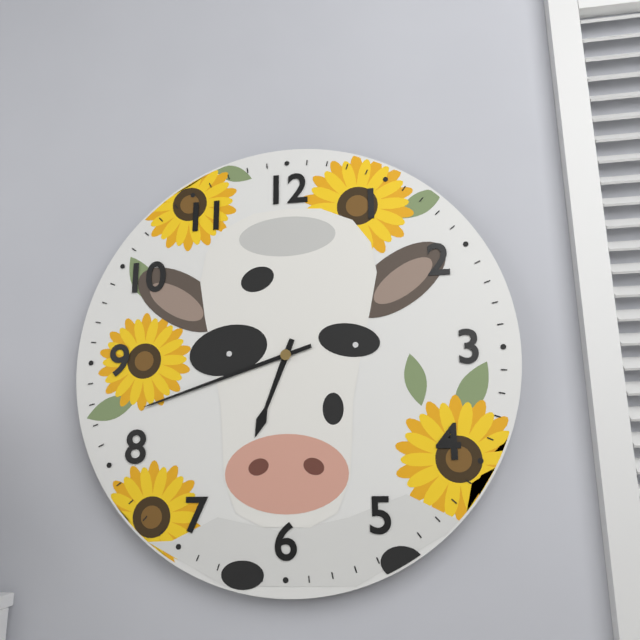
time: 6:42
